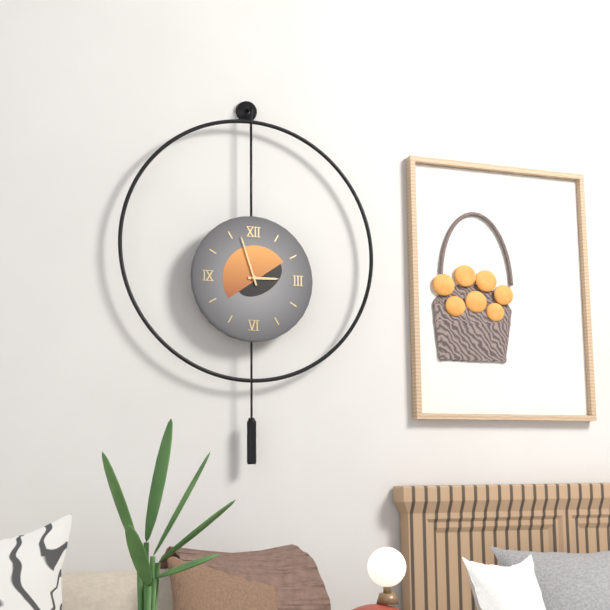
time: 2:57
